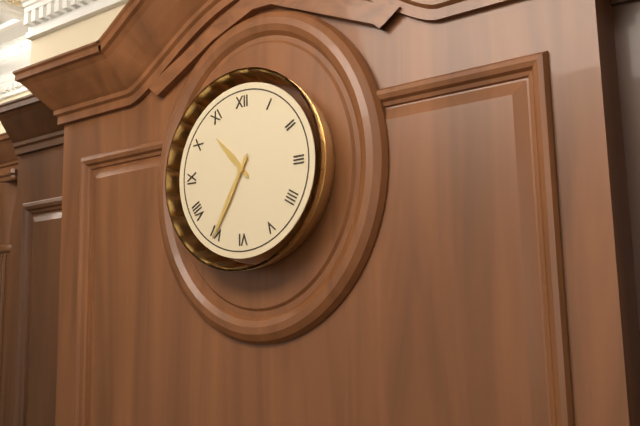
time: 10:35
